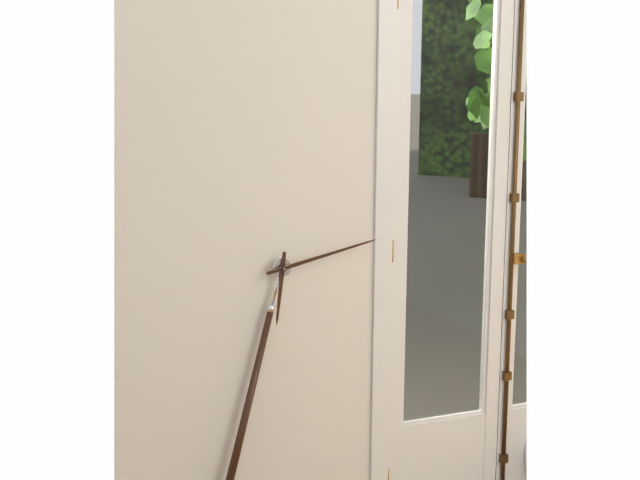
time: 6:13
